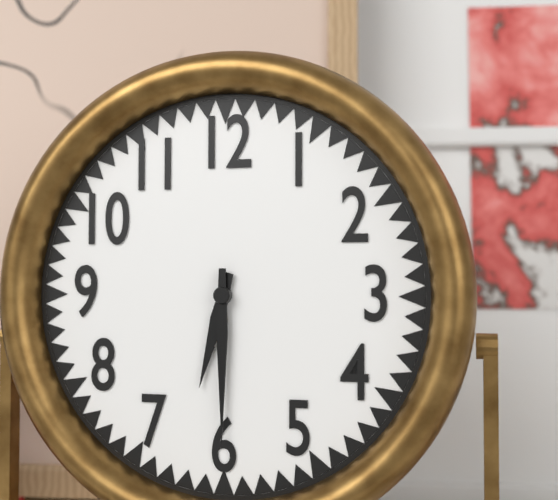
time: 6:30
